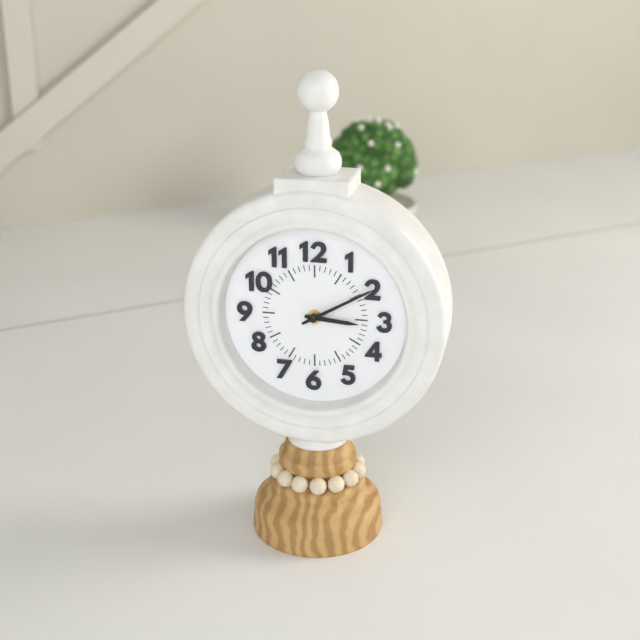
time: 3:10
